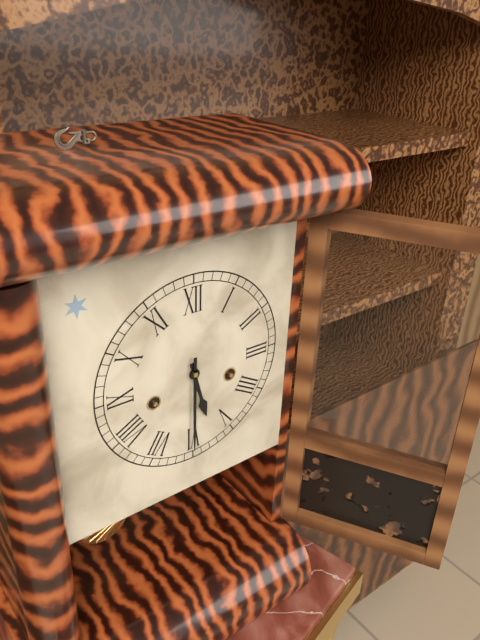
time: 5:30
